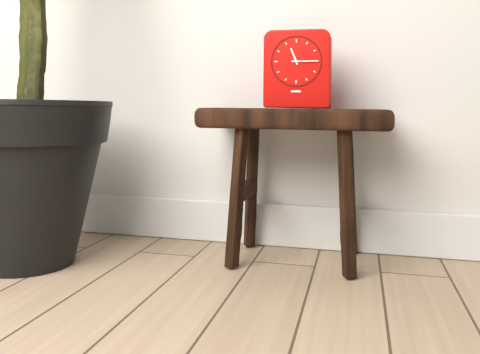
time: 11:15
